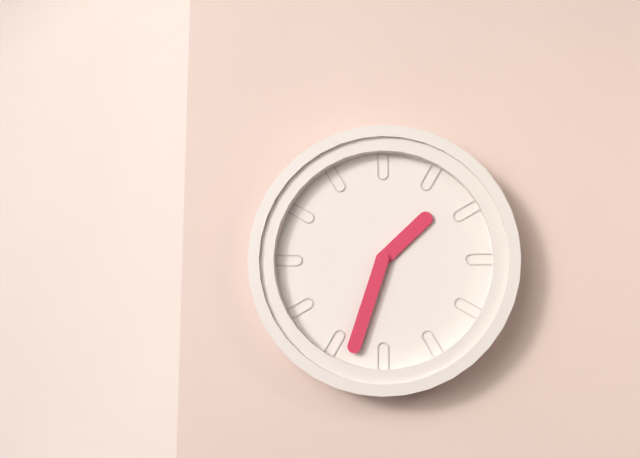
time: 1:33
